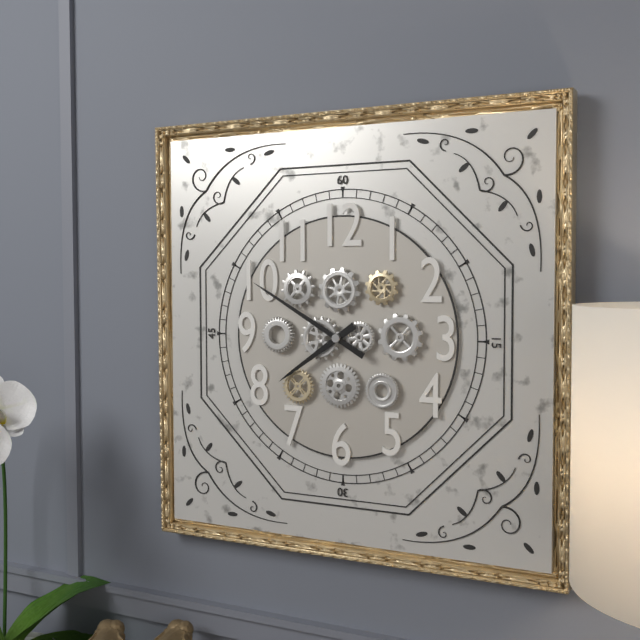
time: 7:50
